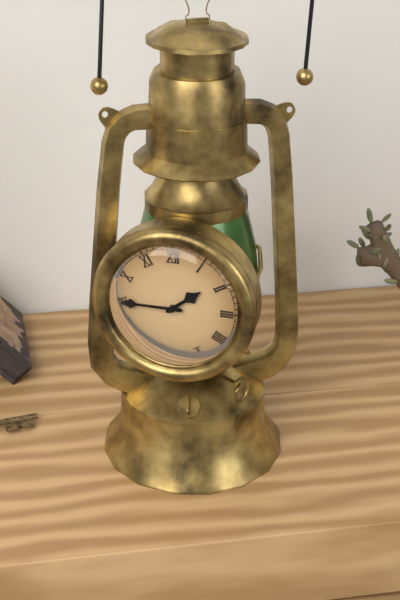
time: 1:45
